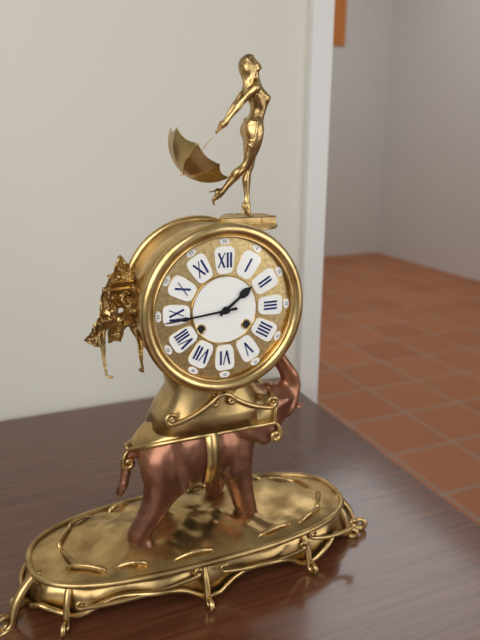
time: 1:44
